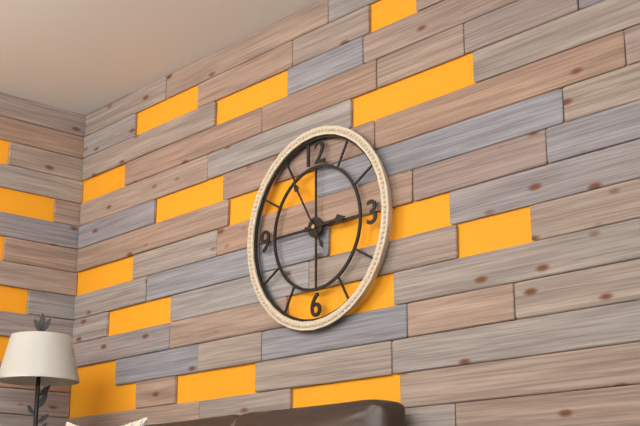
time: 2:55
